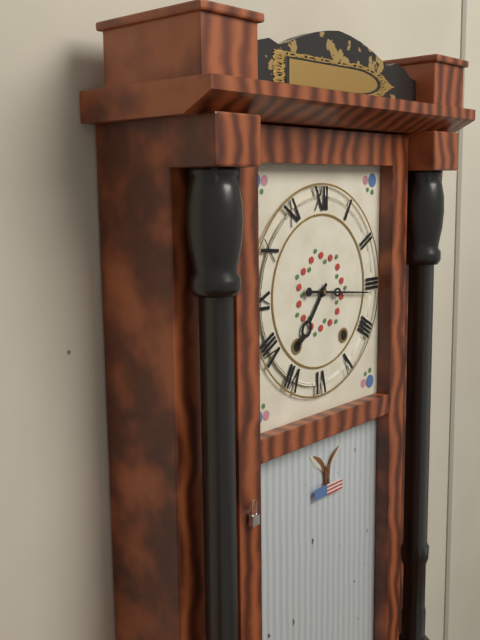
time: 7:16
